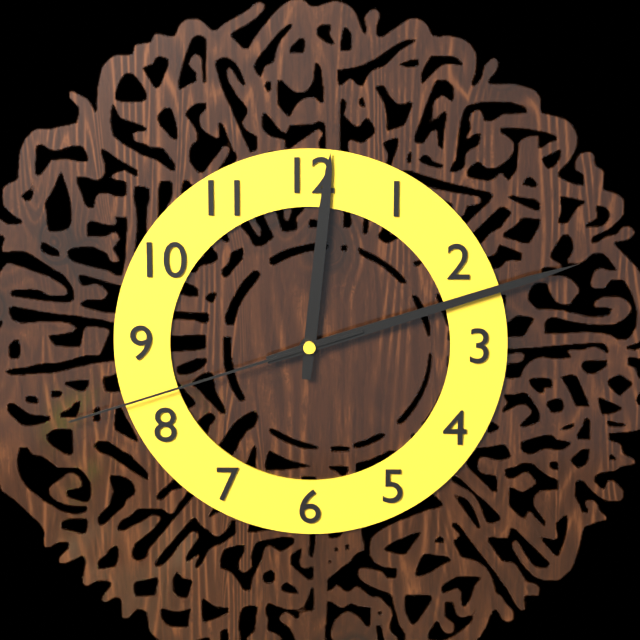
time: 12:12:42
